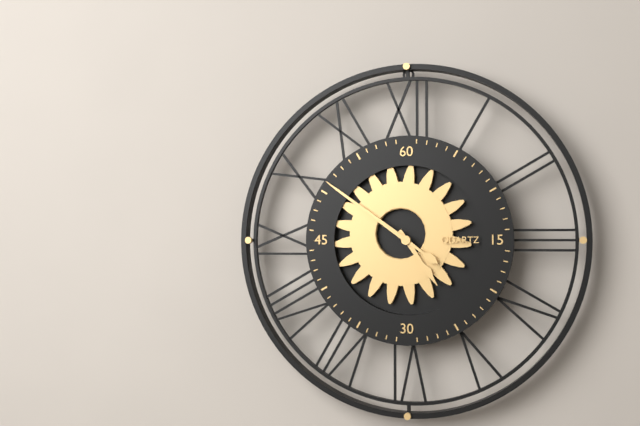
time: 4:51
